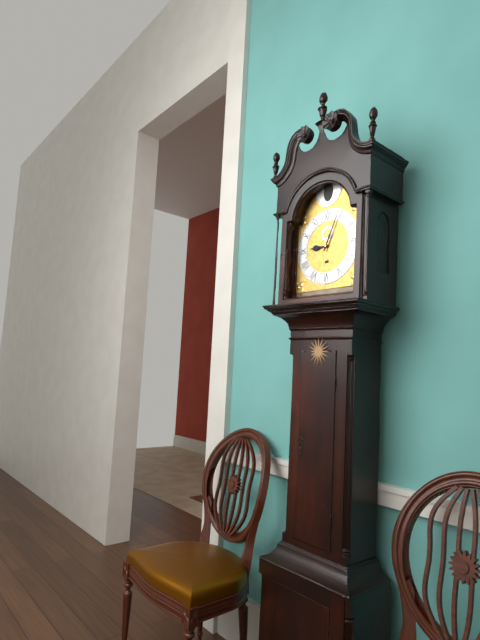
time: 9:04
